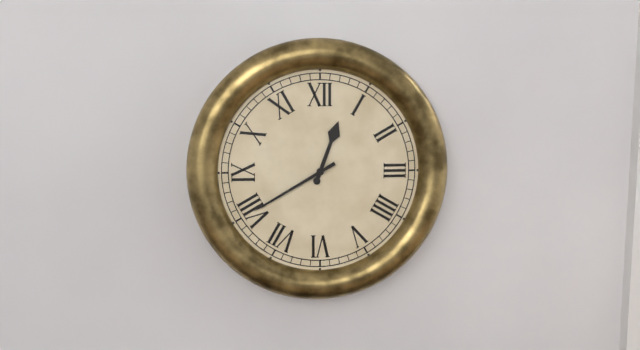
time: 12:40
